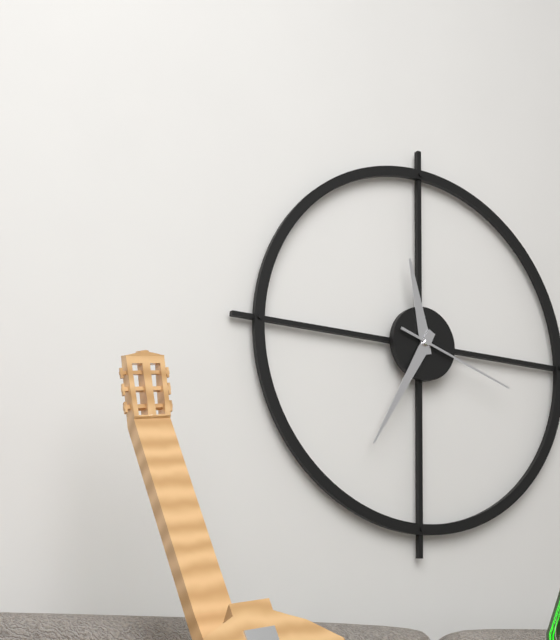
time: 11:35:18
